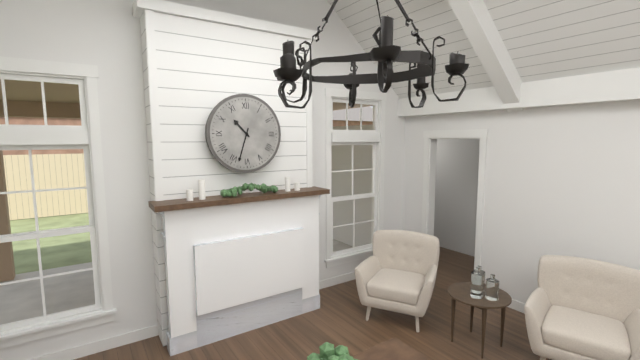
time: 10:33
